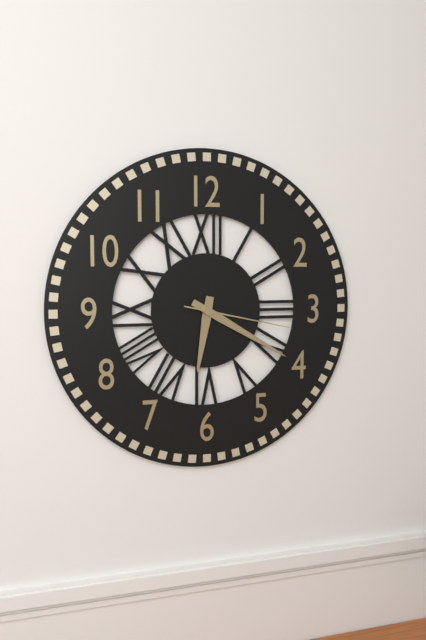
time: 6:20:17
